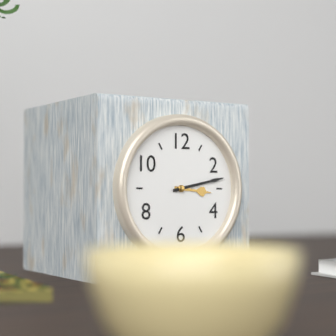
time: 3:13
